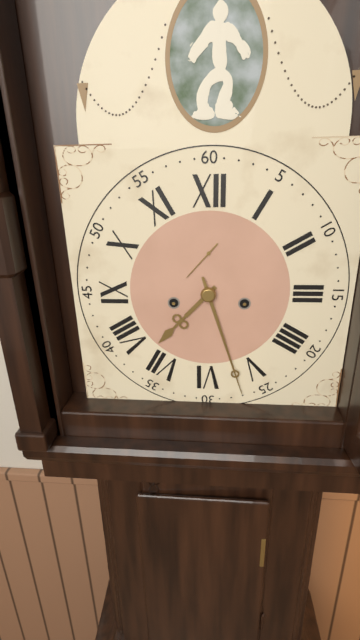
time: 7:27
